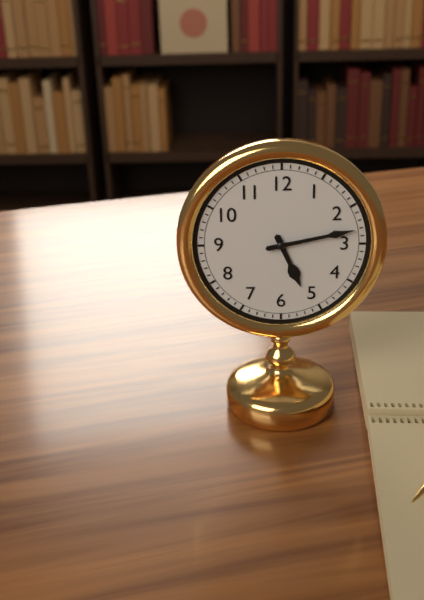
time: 5:13
